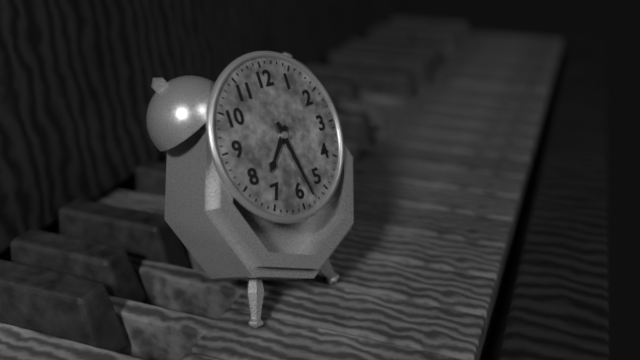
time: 7:28
